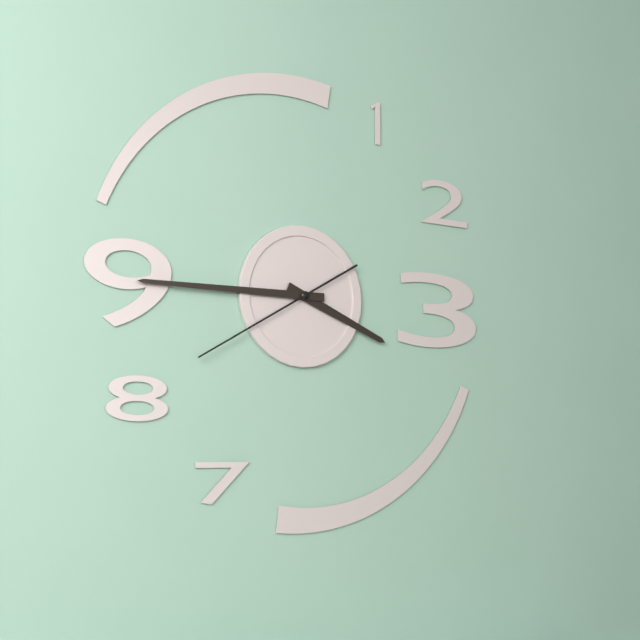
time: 3:45:40
